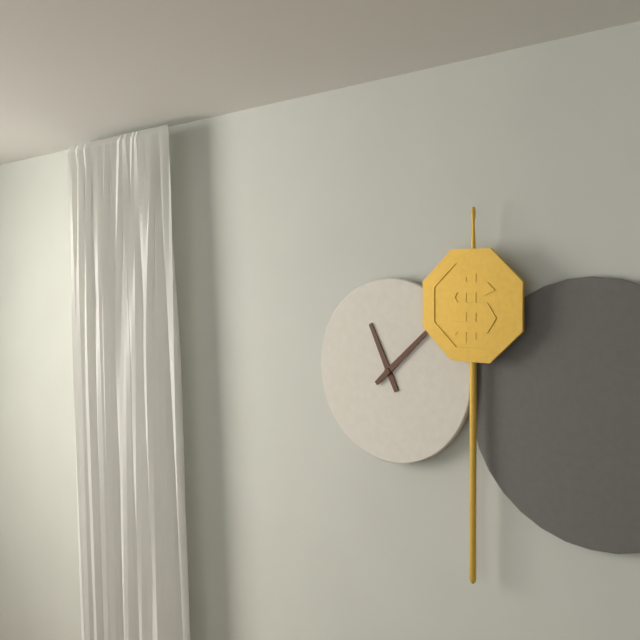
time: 11:08
